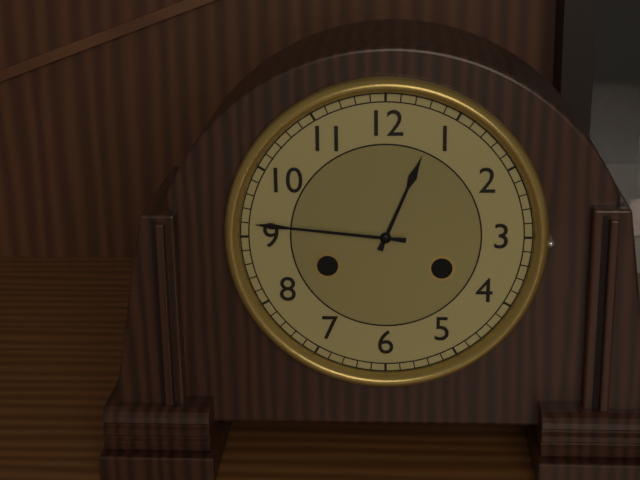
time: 12:46
